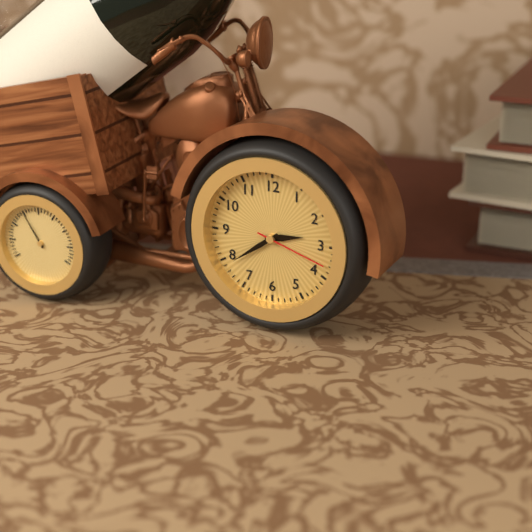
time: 2:39:18
